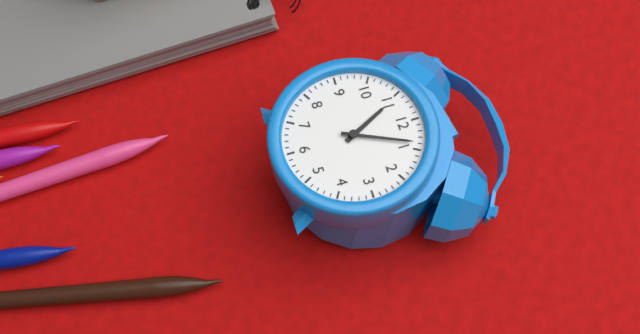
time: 11:04
